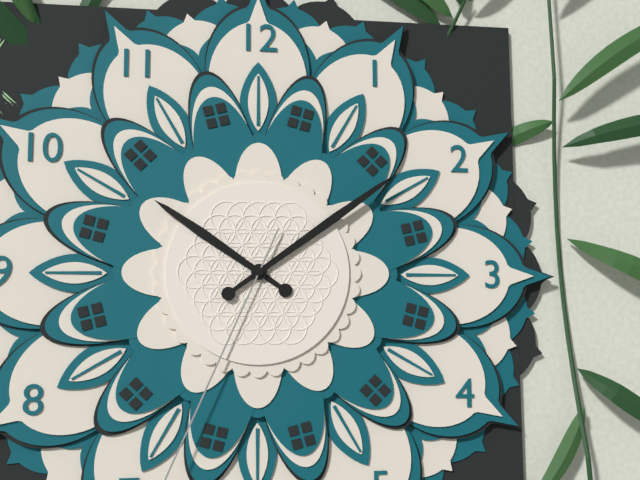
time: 10:09
